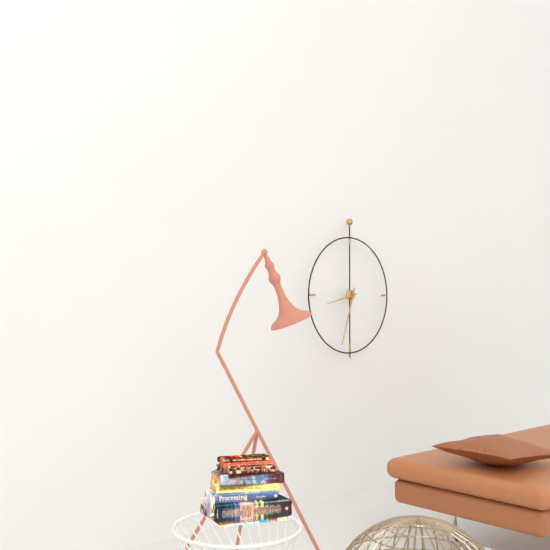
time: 8:33
